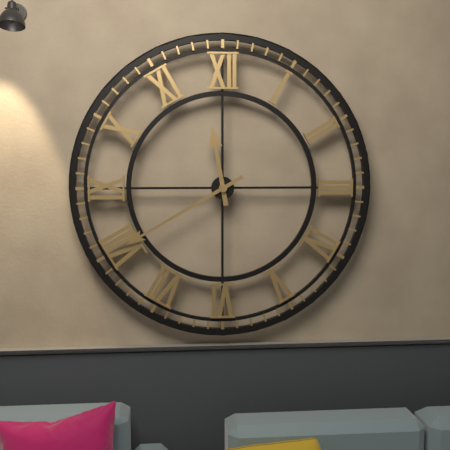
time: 11:40
